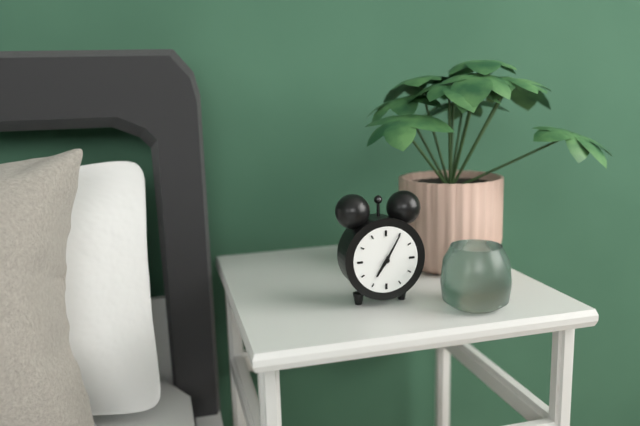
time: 7:05
